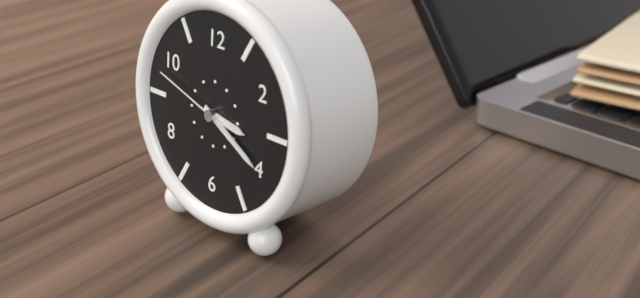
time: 3:20:48
